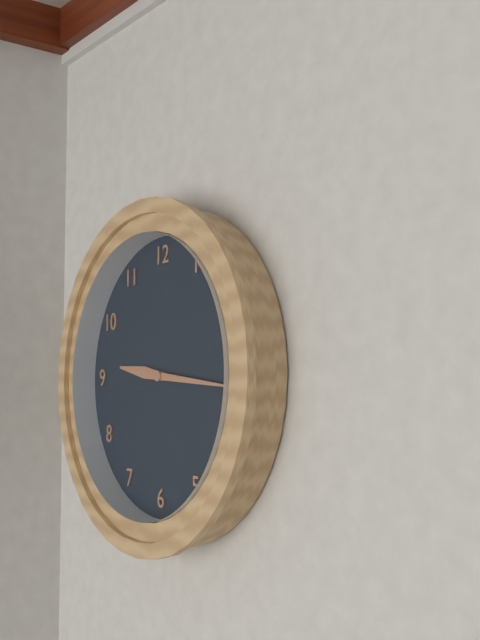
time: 9:16
